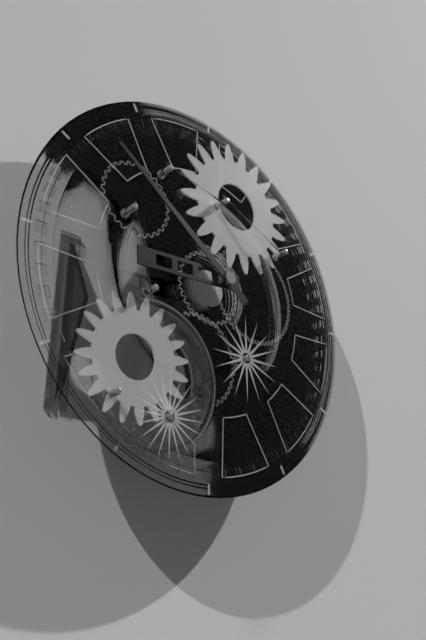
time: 8:51
